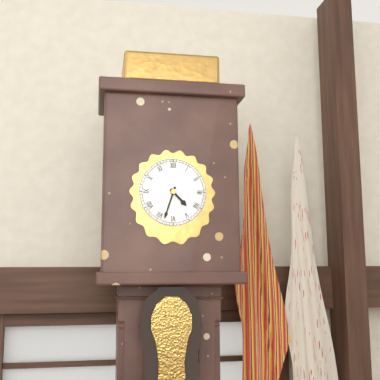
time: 4:33
